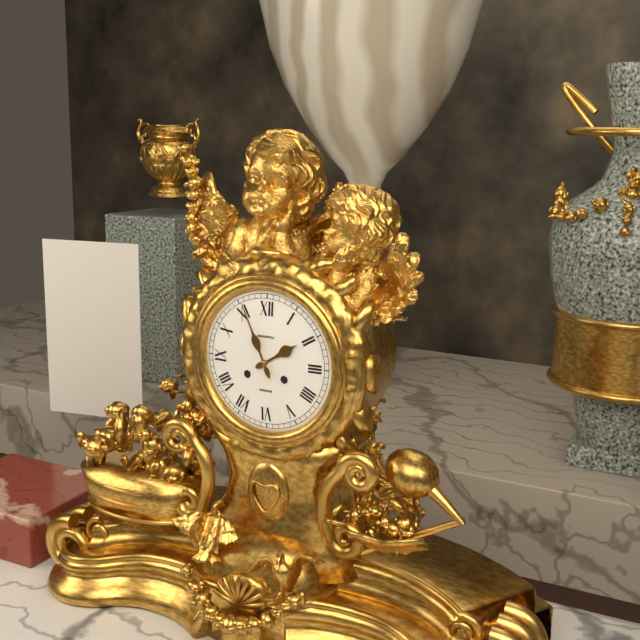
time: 1:56
